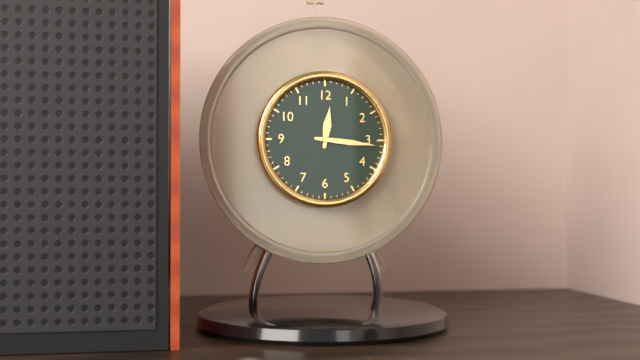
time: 12:16
